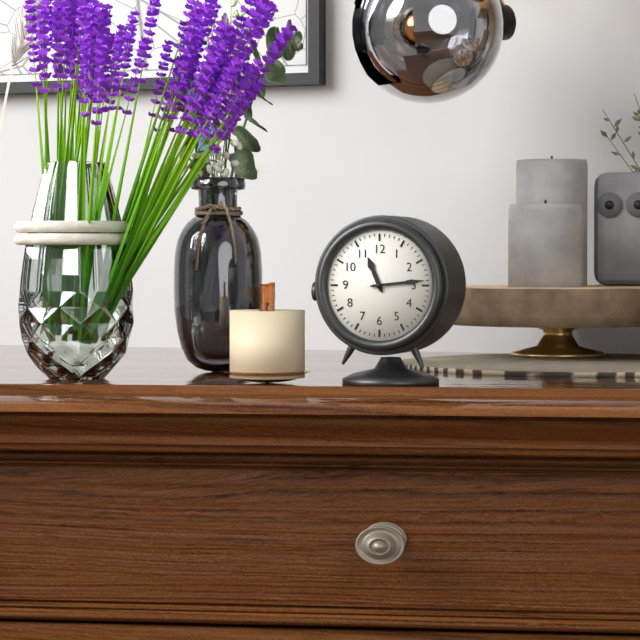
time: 11:14
